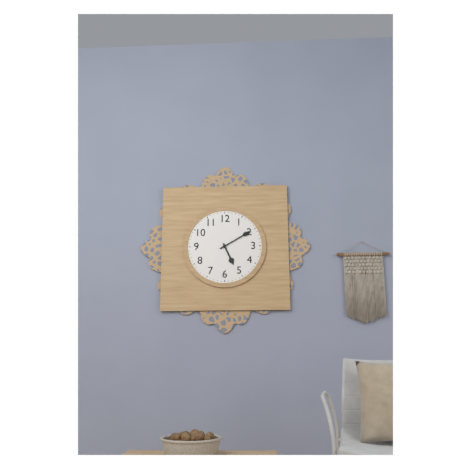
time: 5:10
